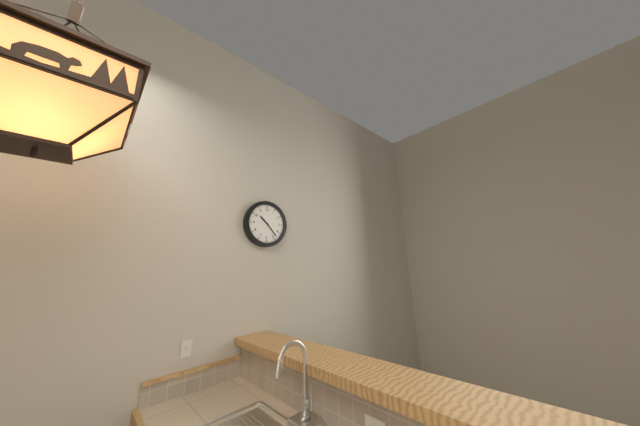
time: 10:23
